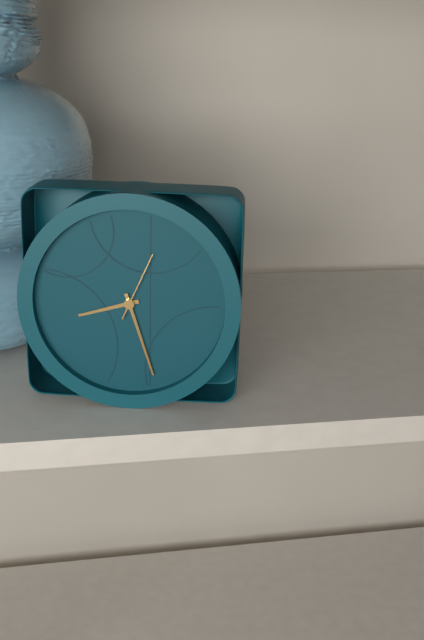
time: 8:27:04
